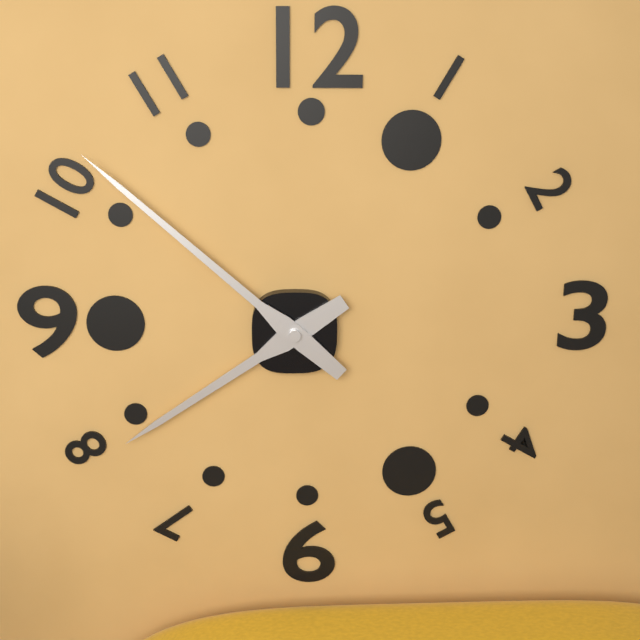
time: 7:52
